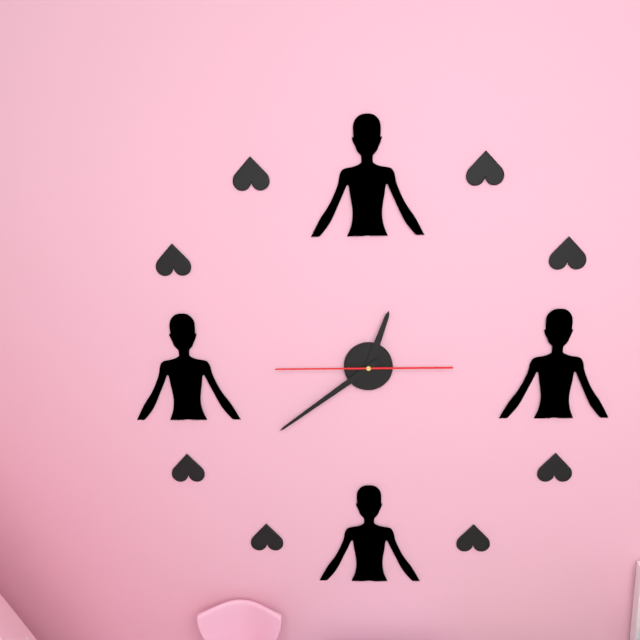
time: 12:39:45
